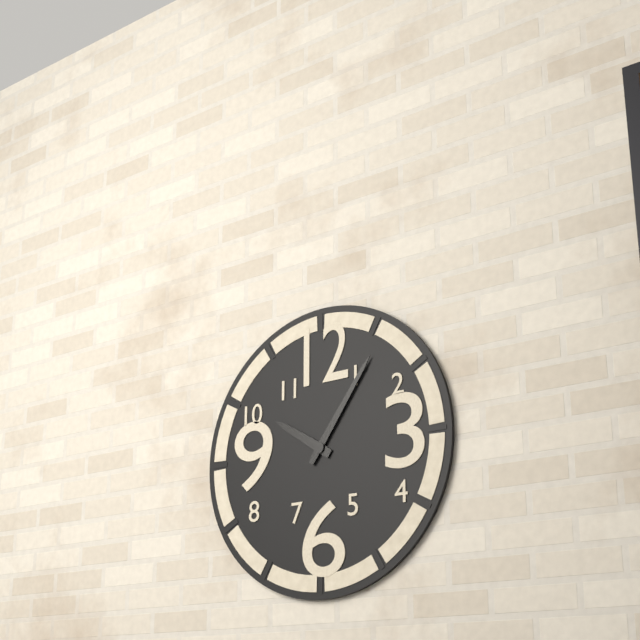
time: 10:06
